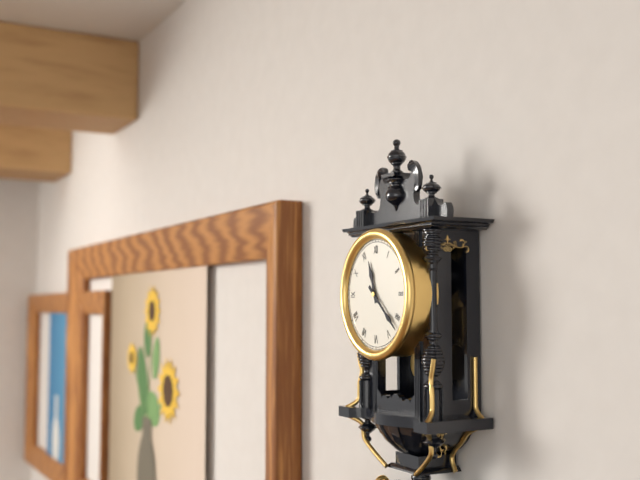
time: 11:22
